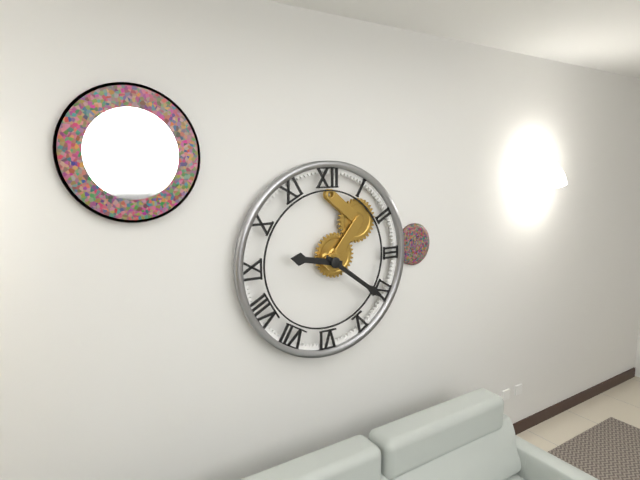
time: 9:21
